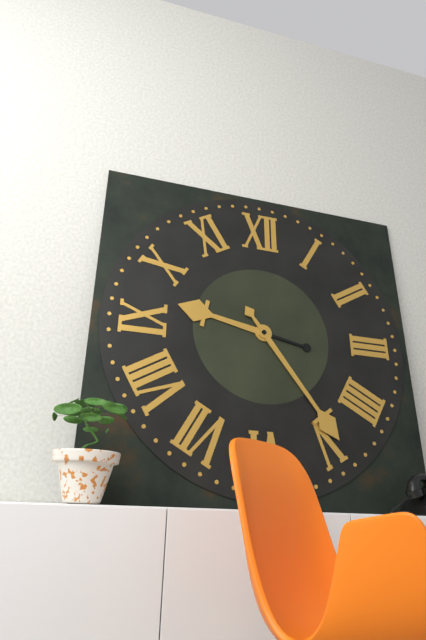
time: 9:24
